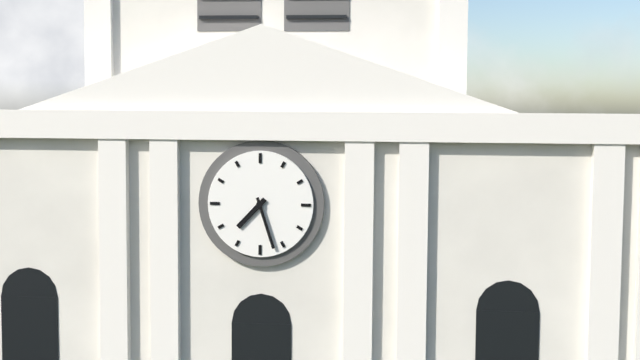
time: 7:27
